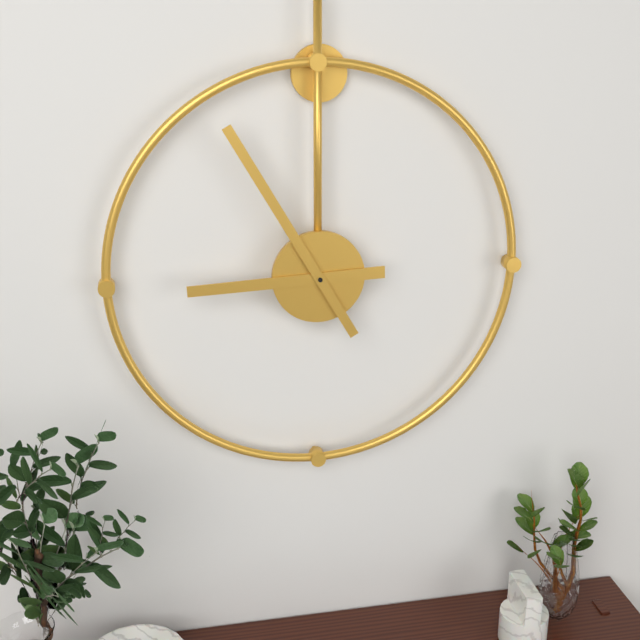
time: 8:55
